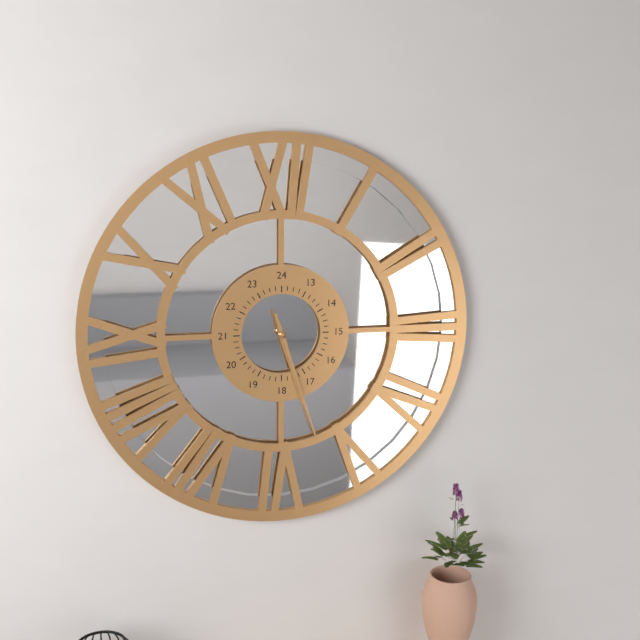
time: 5:27
